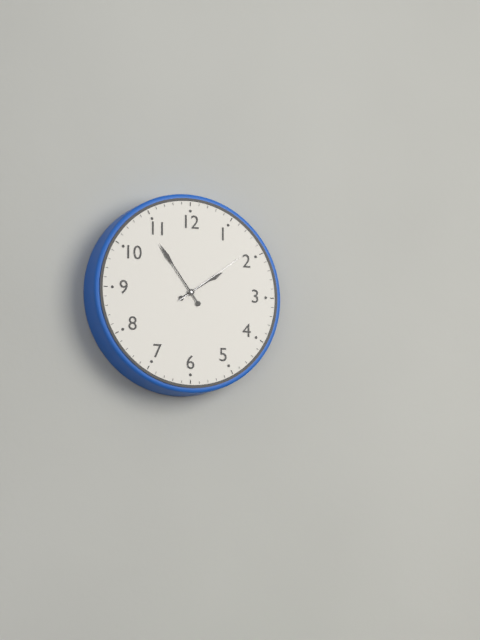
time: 1:54:09
